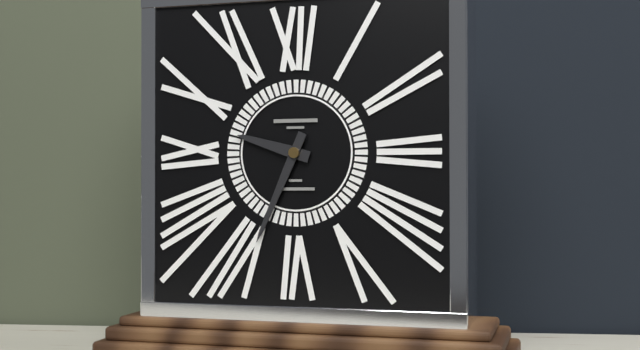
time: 9:34
